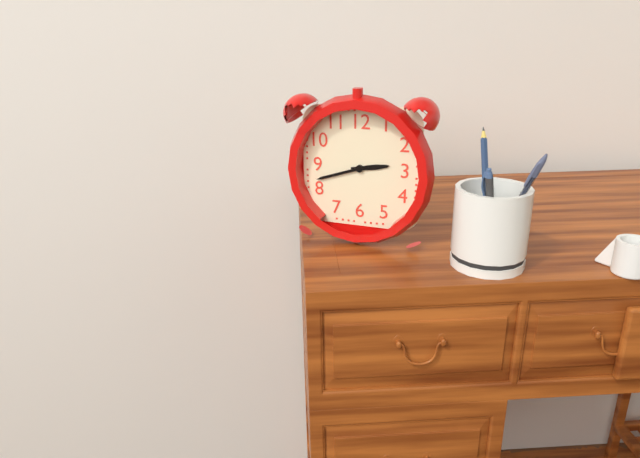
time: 2:42
